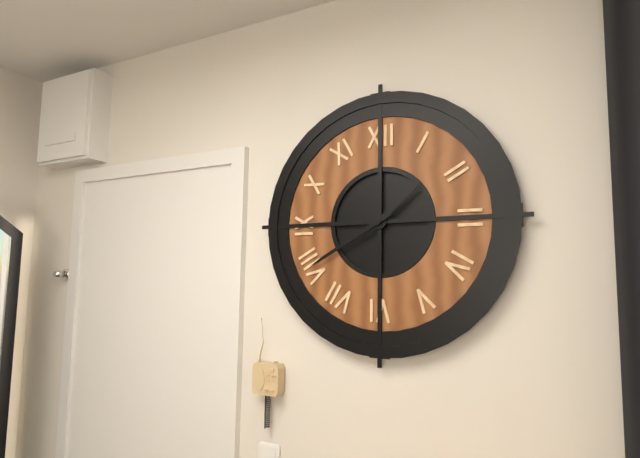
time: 1:40
